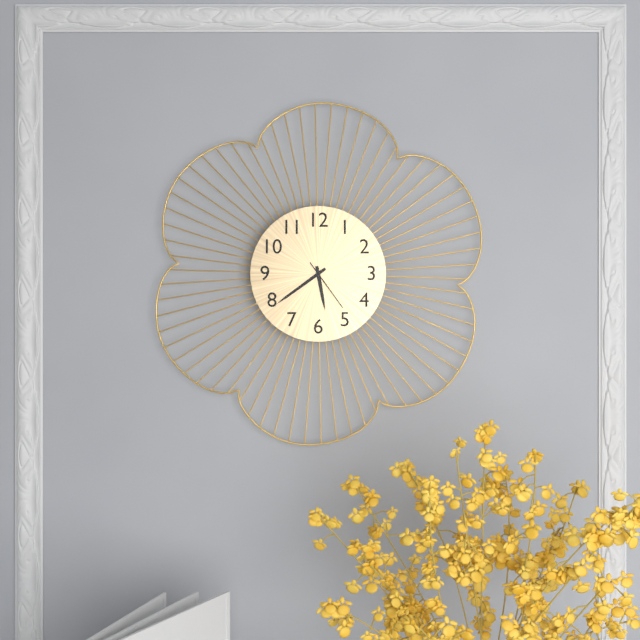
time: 5:39:24
